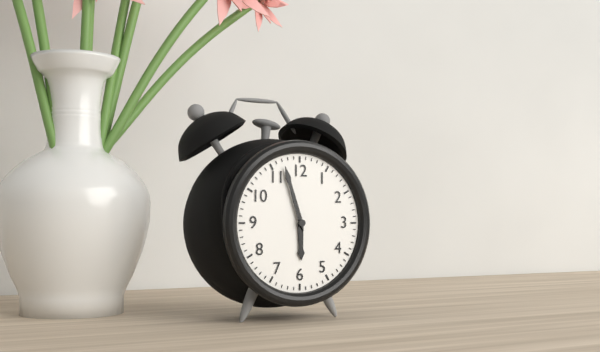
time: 5:57
